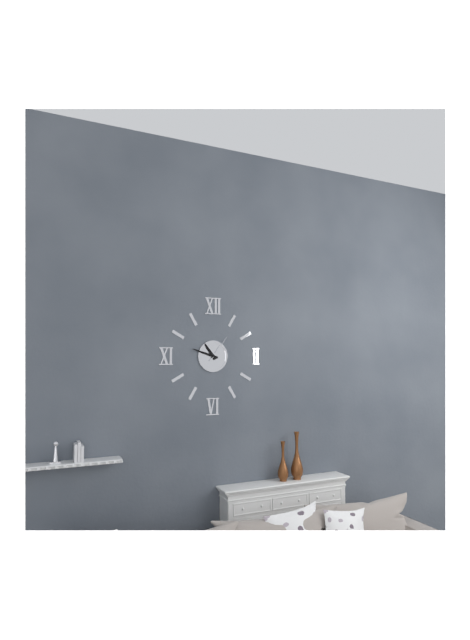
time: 10:48
